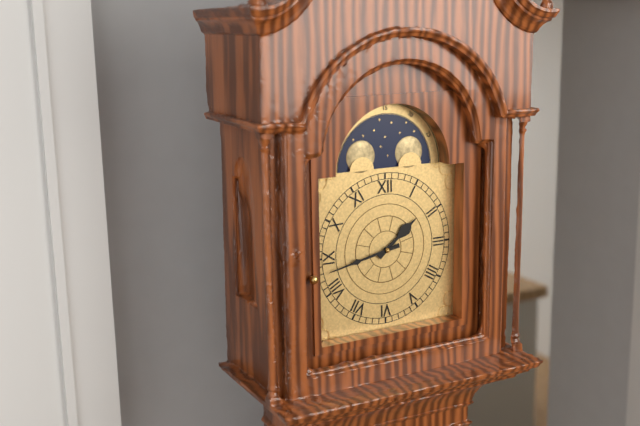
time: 1:43
